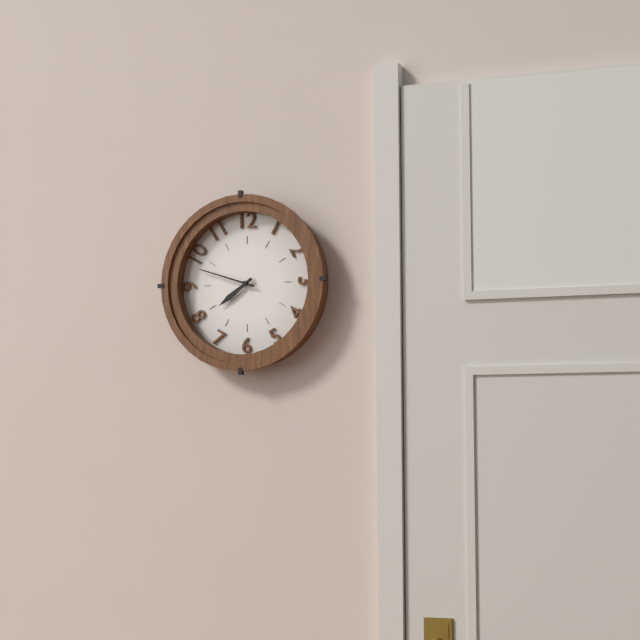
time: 7:48
